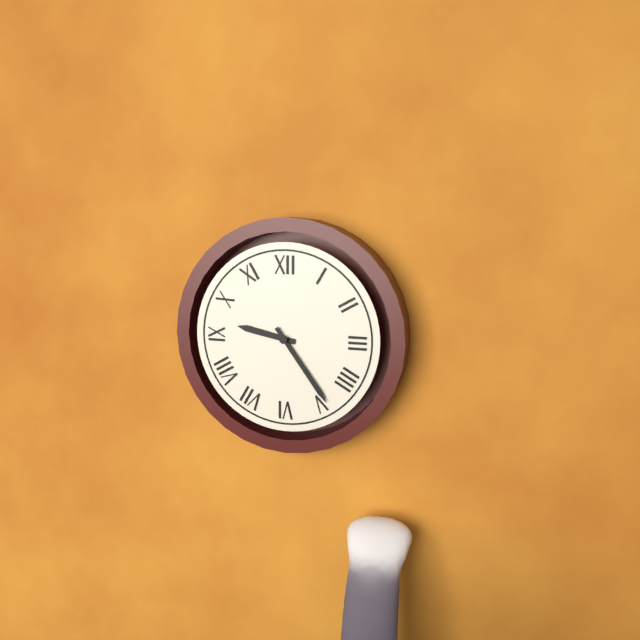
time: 9:24
